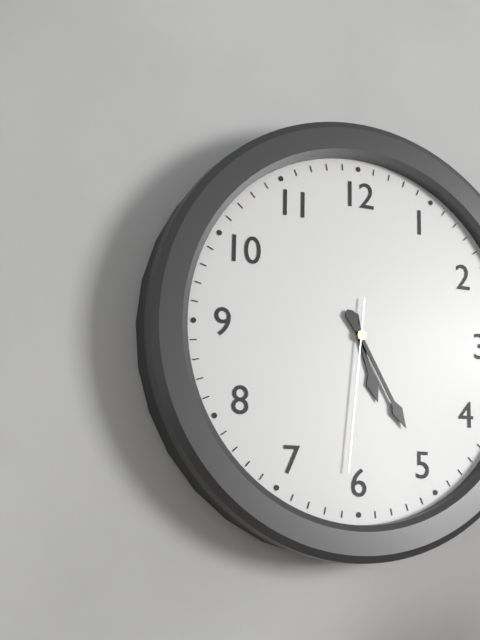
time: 5:25:31
